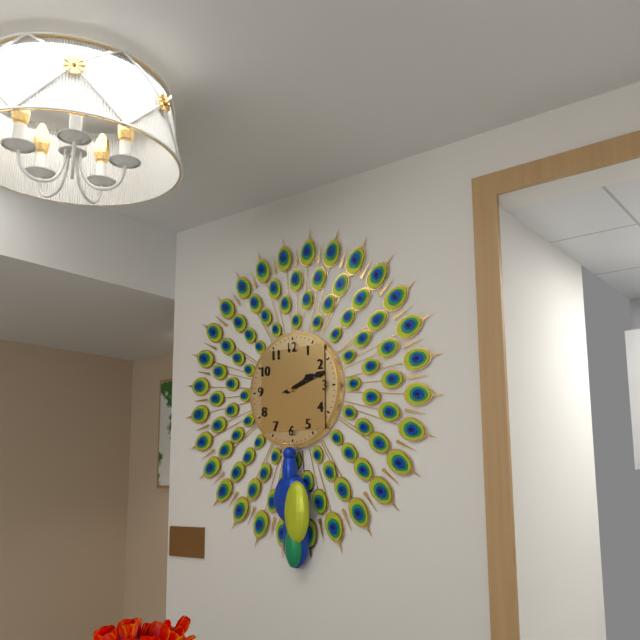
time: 2:12
